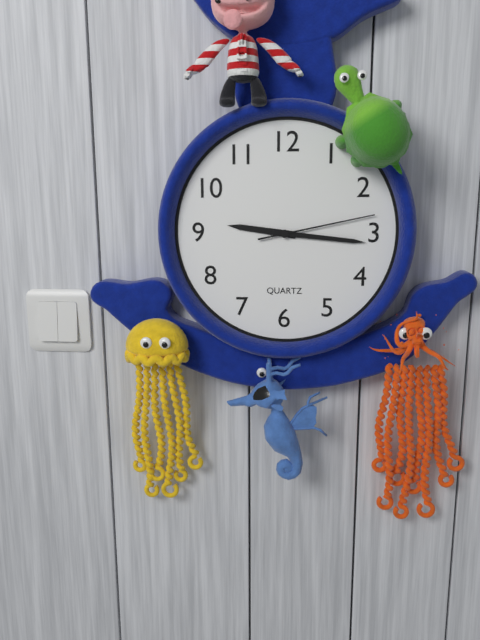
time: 9:16:13
